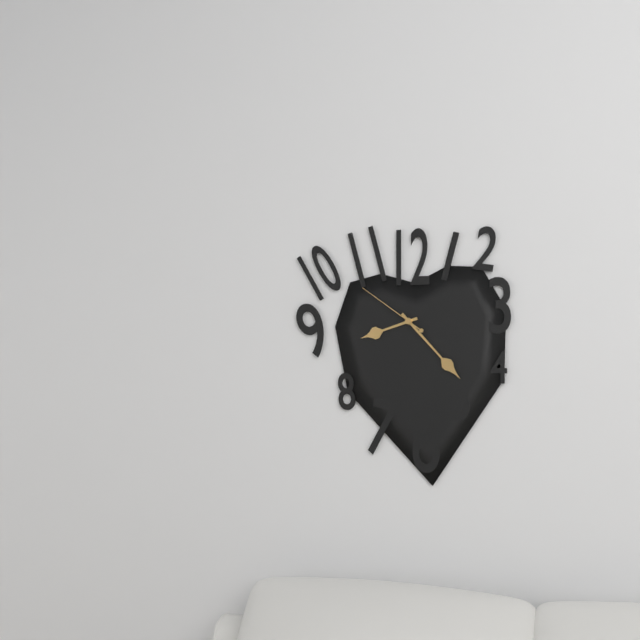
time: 8:23:51
